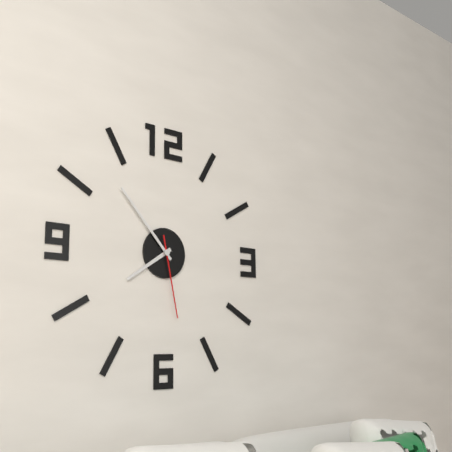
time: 7:53:28
